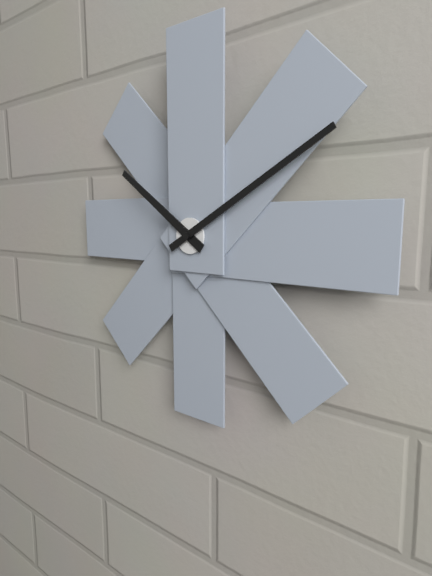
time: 10:10
